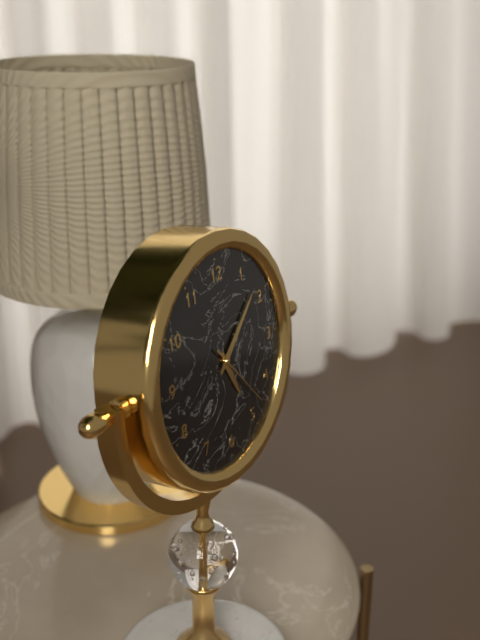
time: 5:08:23
